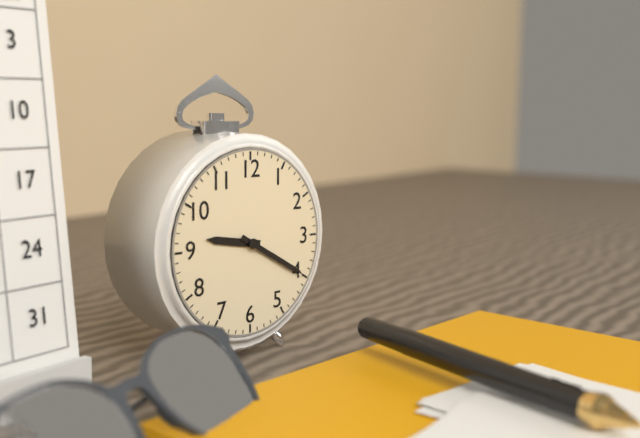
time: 9:20
